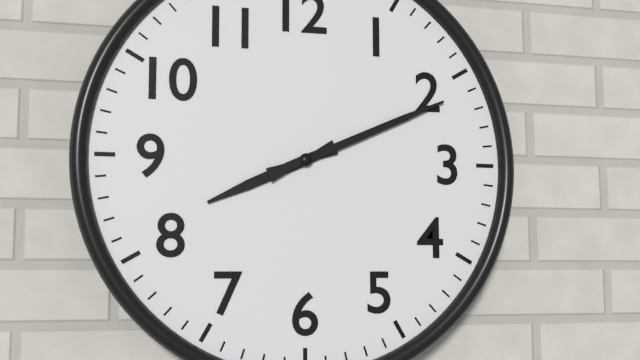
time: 8:11
